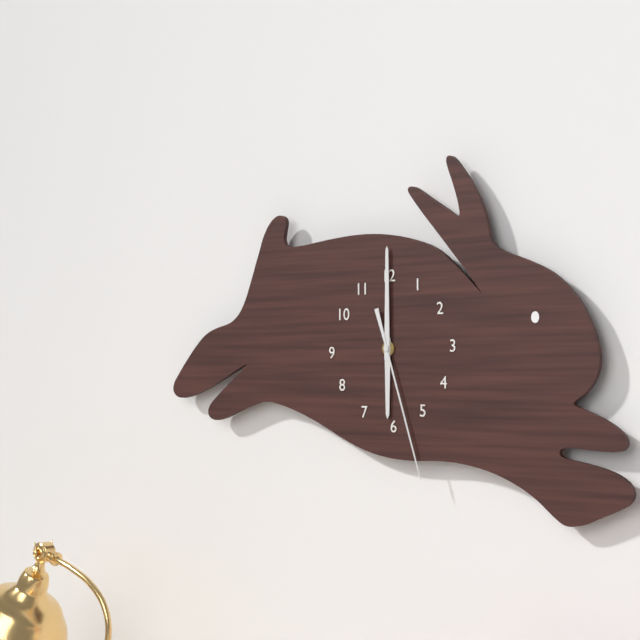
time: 6:00:27
